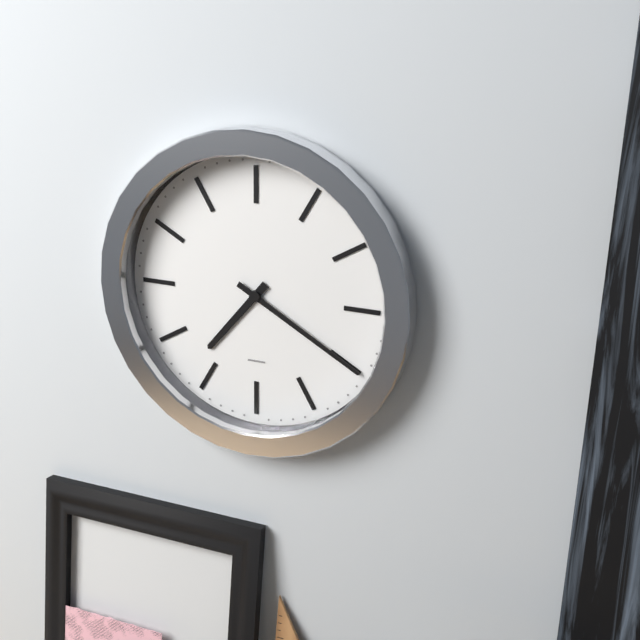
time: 7:20
